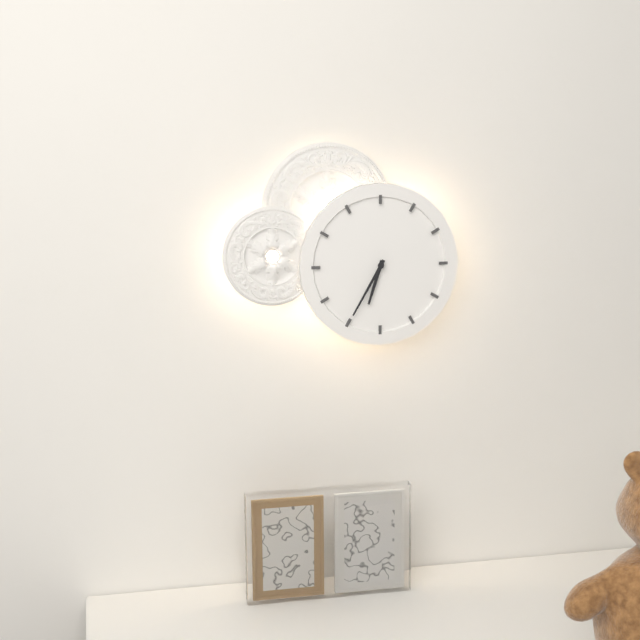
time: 6:35
